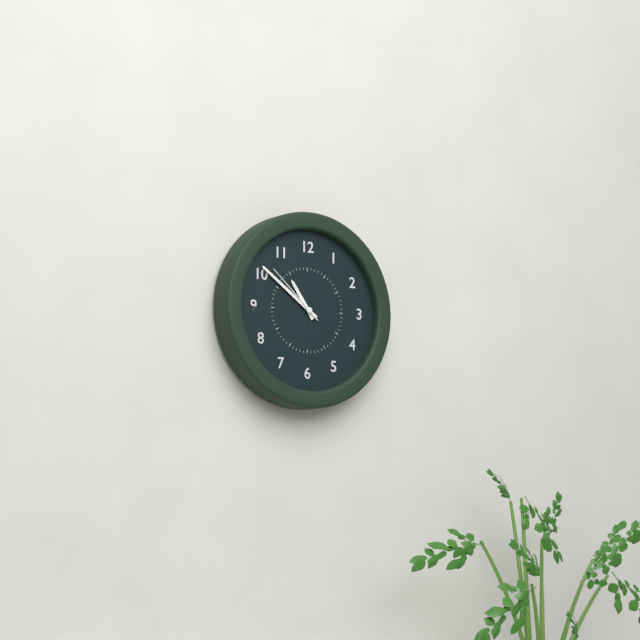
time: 10:51:52
